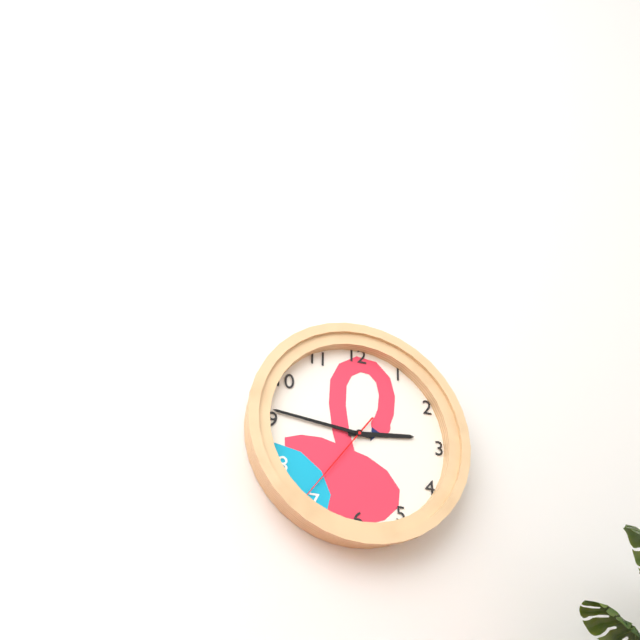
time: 2:46:36
